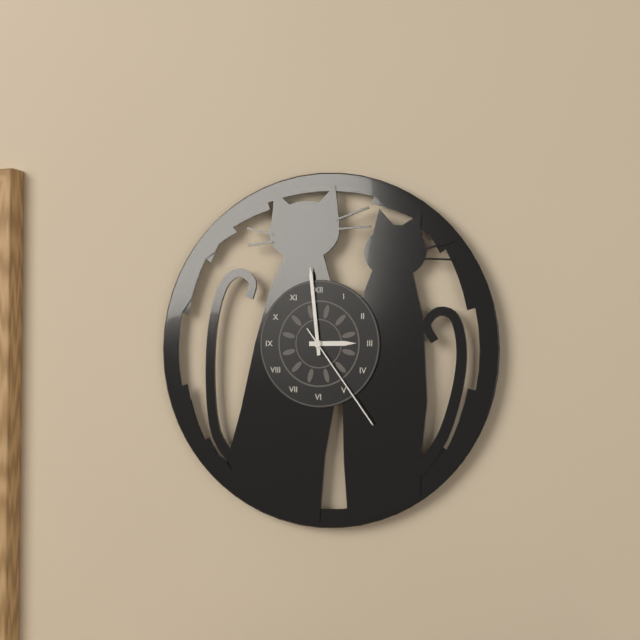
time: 2:59:24
